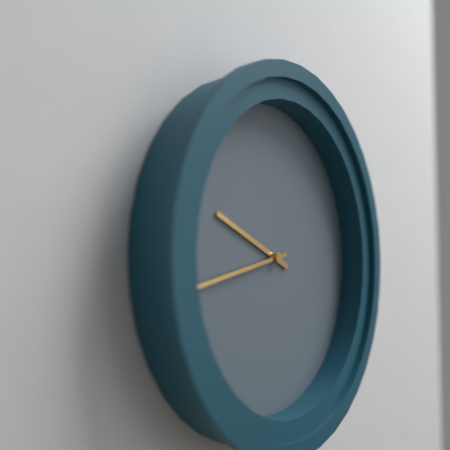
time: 9:43
